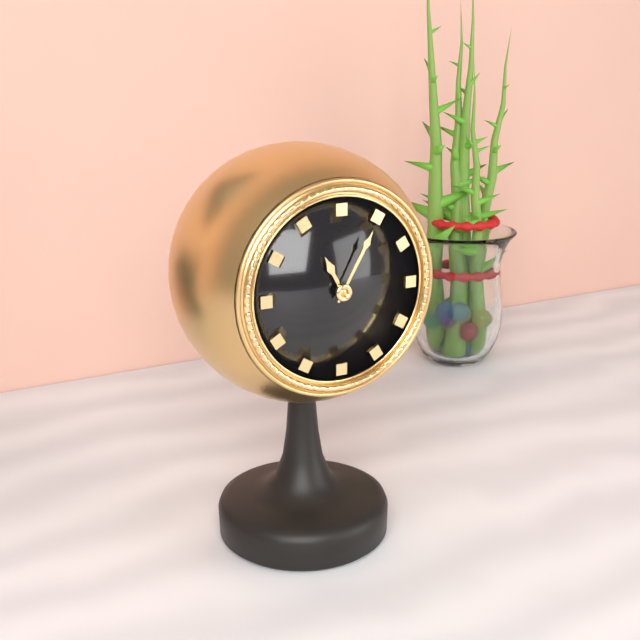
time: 11:05
